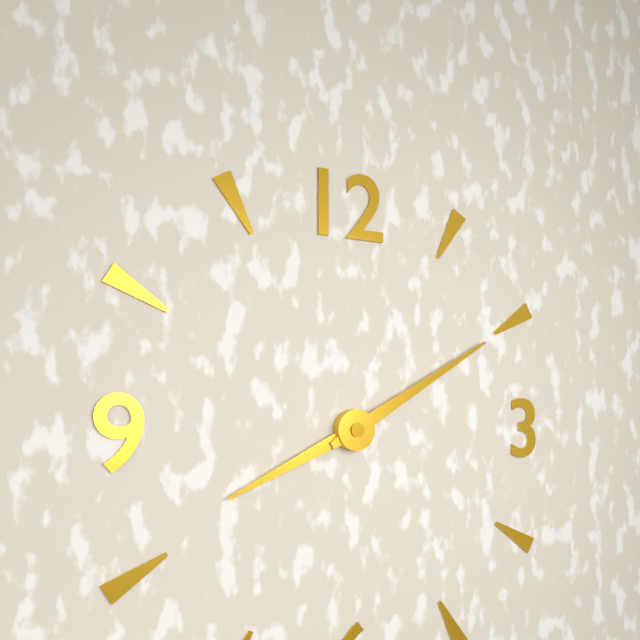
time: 8:10
